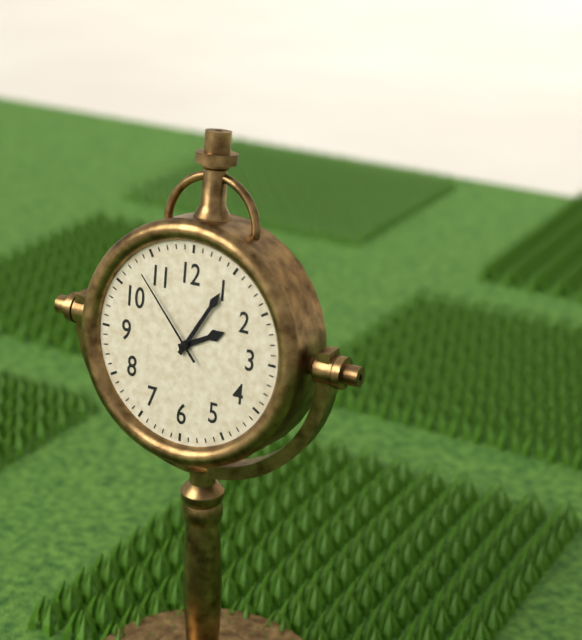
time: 2:05:53
